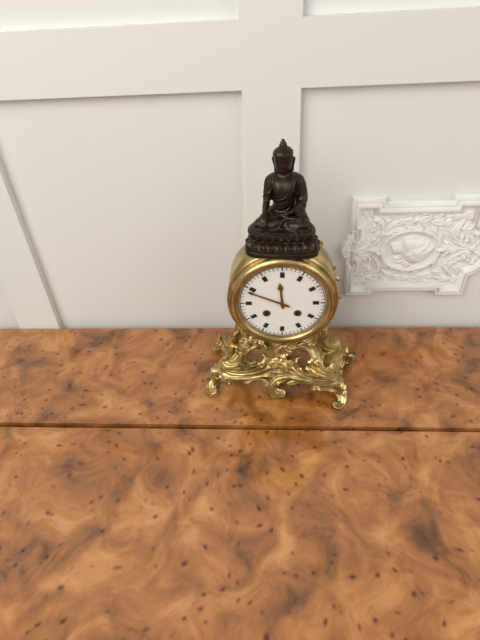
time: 11:49
